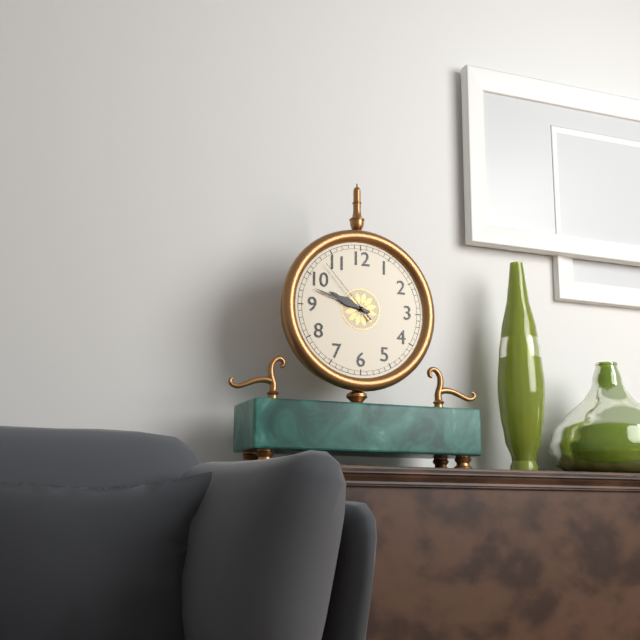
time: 9:48:53
